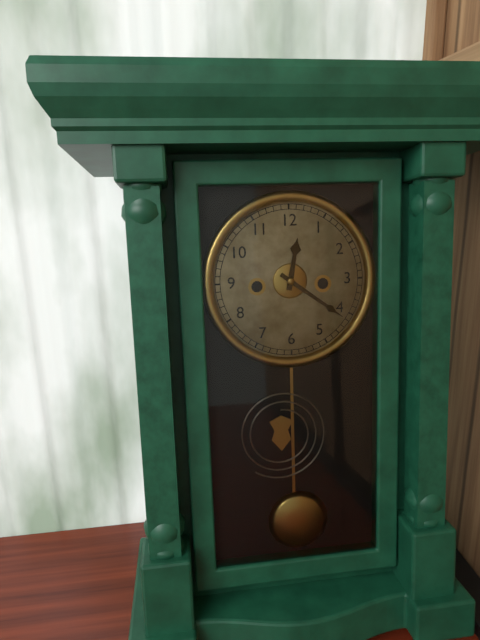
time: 12:21
